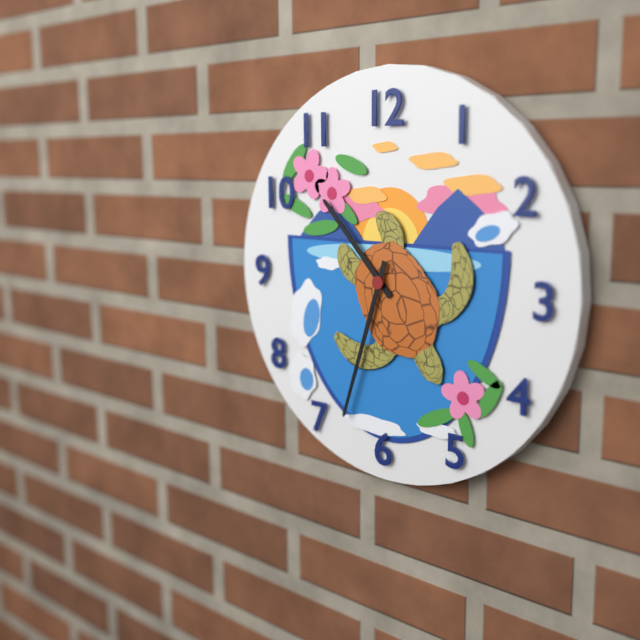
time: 10:33
